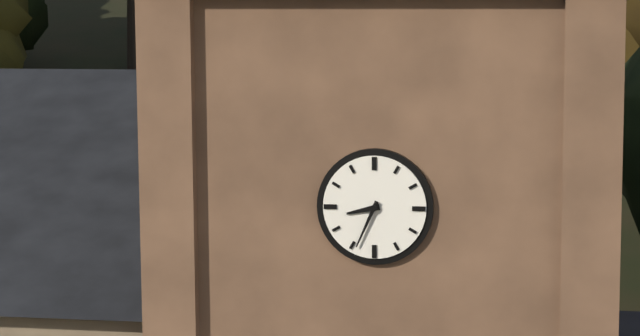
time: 8:34
